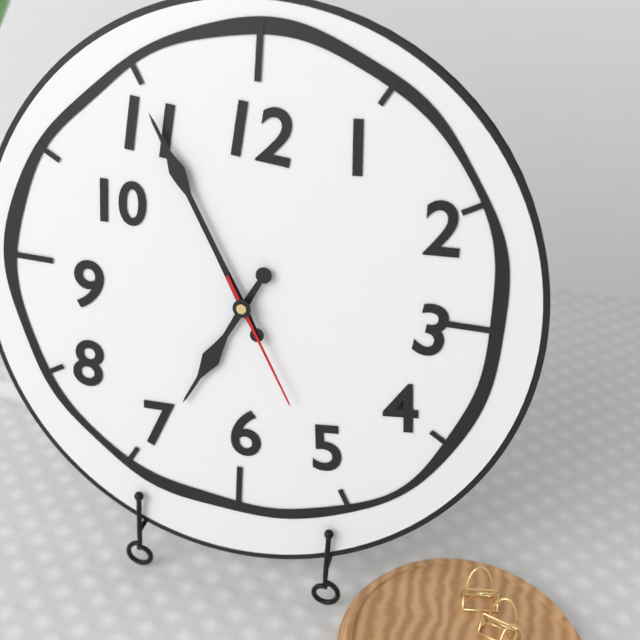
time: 6:55:25
